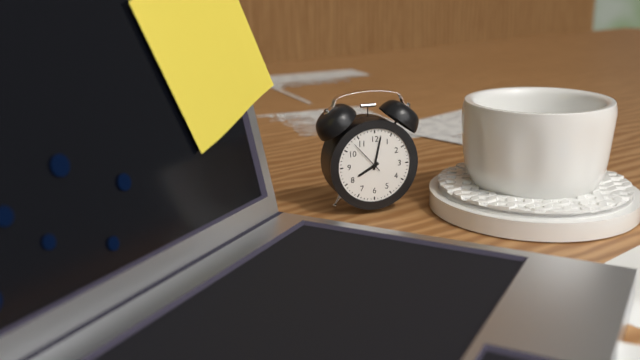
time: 8:02
